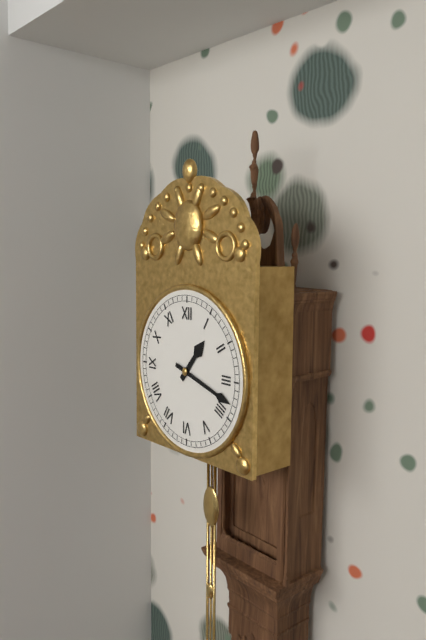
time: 1:18
